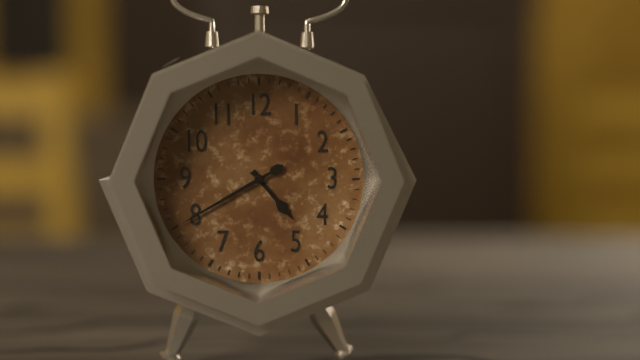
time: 4:40
